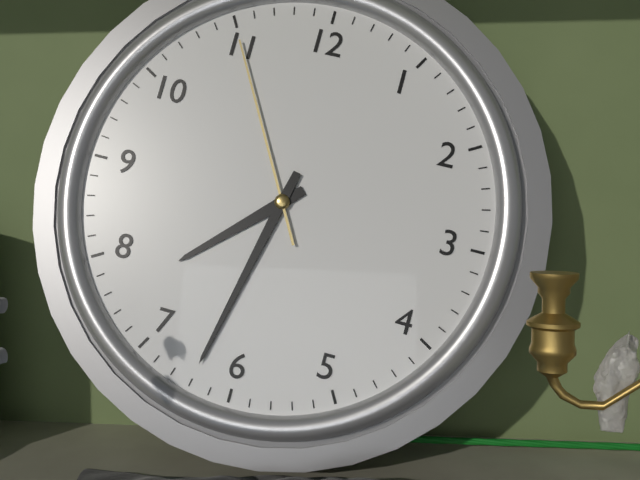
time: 7:32:55
